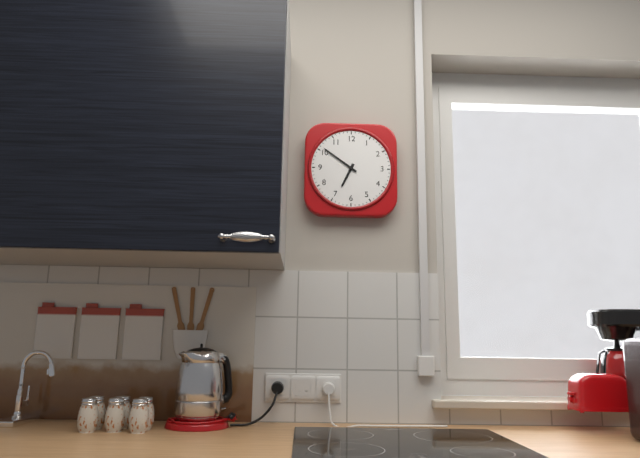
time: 6:51
